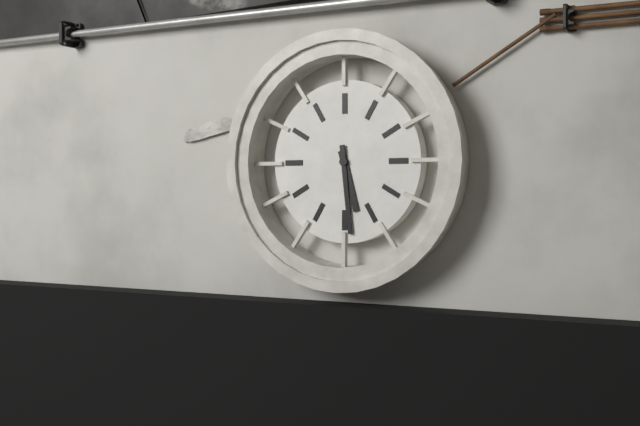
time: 5:29
